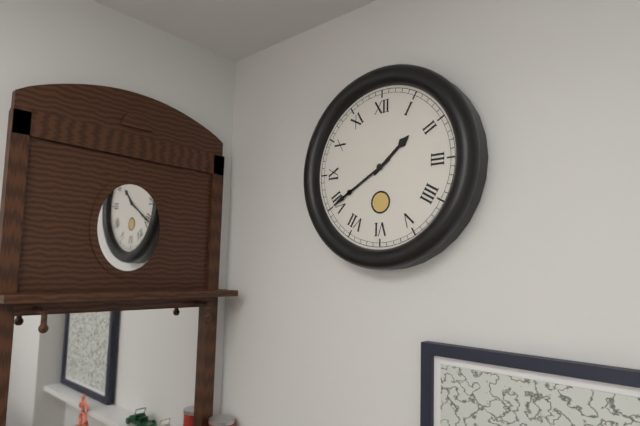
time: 1:40
